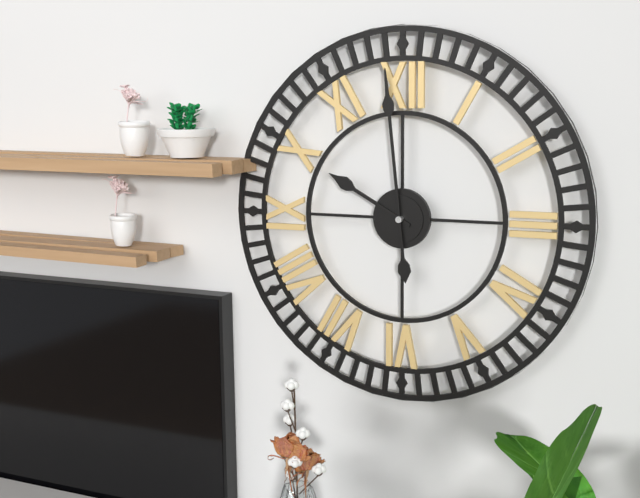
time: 9:59
